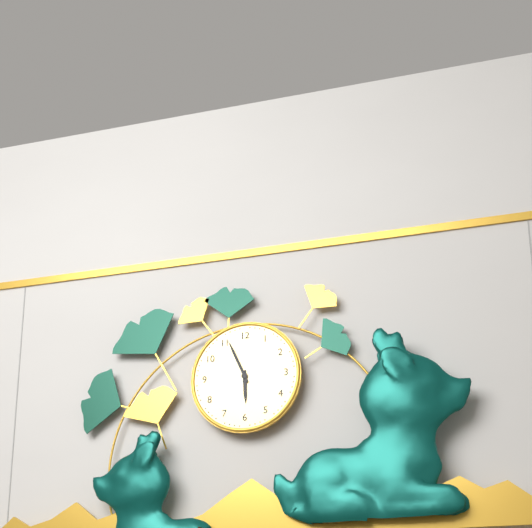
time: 5:56
